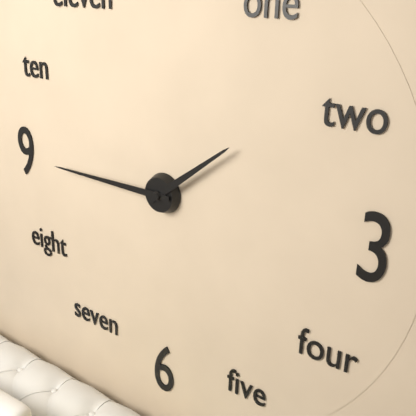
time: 1:45
